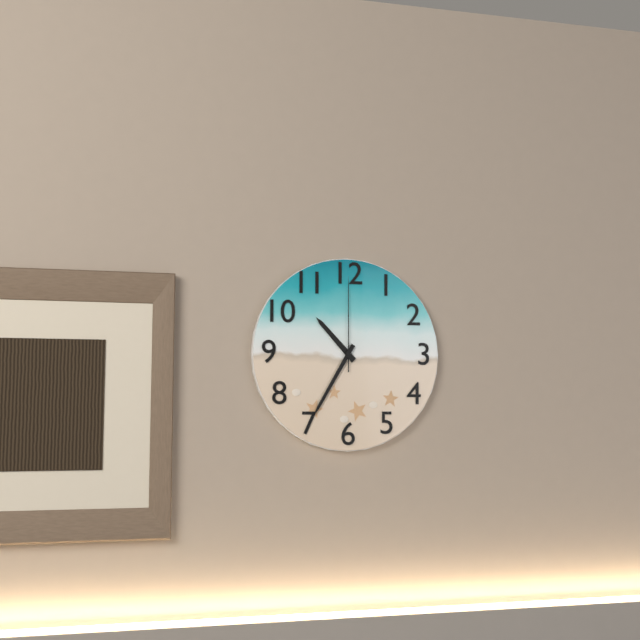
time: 10:35:00
